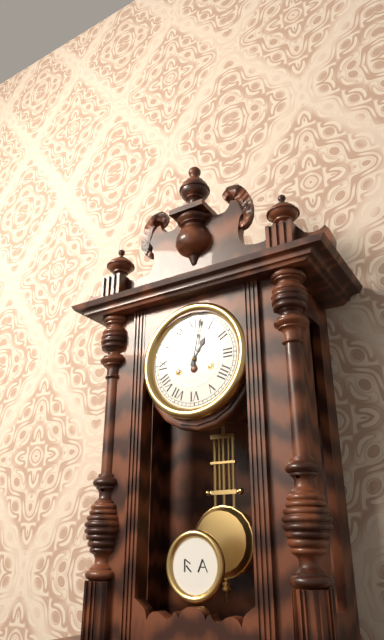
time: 1:02
